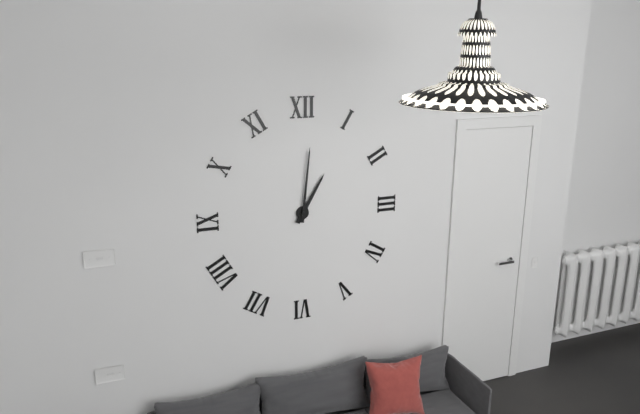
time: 1:01
